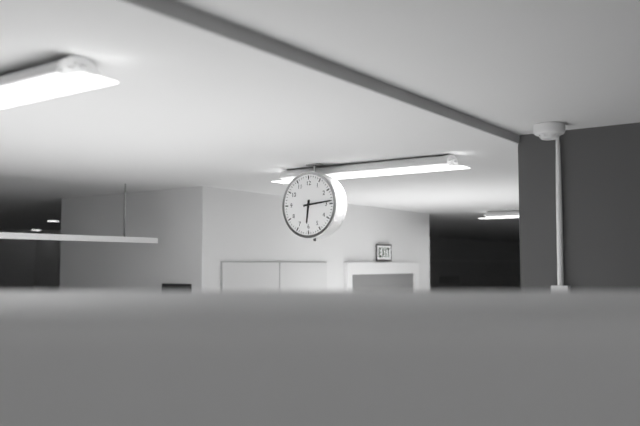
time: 6:14
